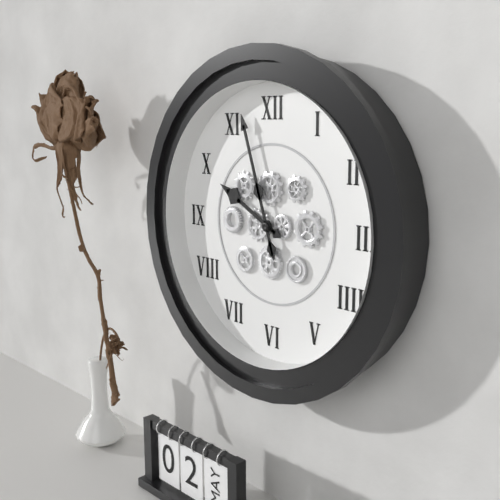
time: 9:57
